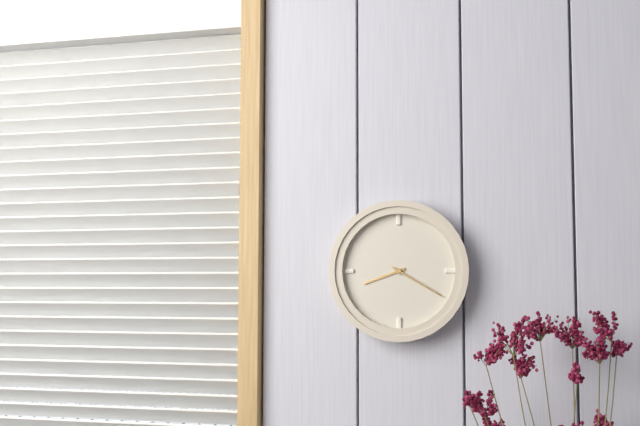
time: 8:20
